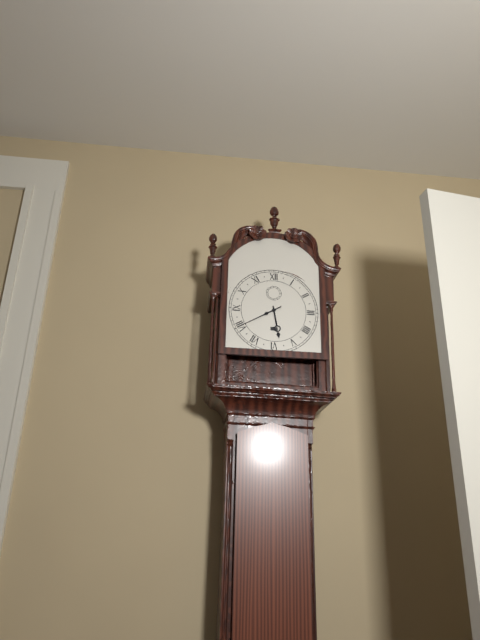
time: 5:40
